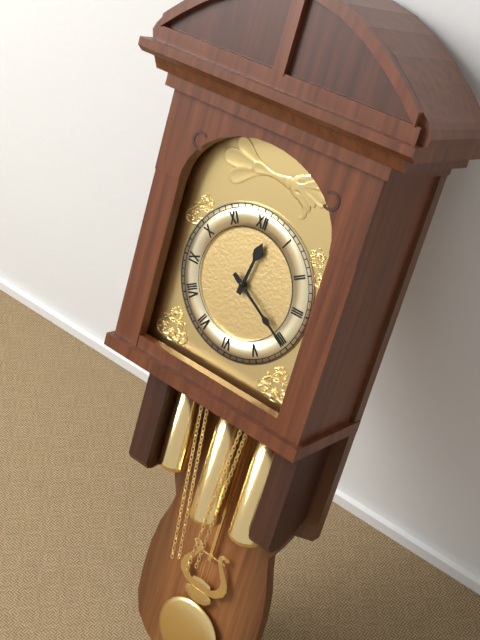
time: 12:20
